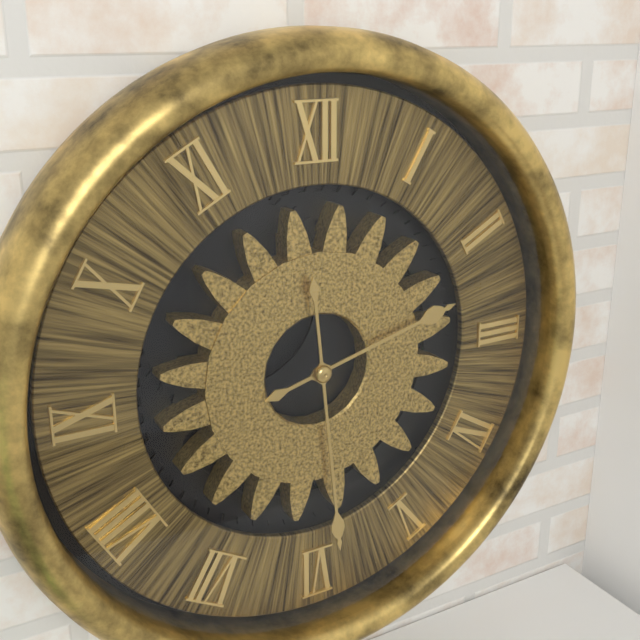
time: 2:29
